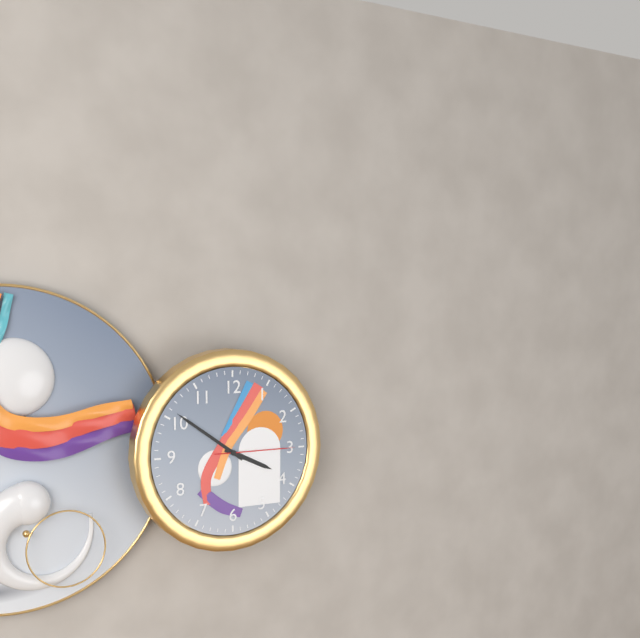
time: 3:51:15
